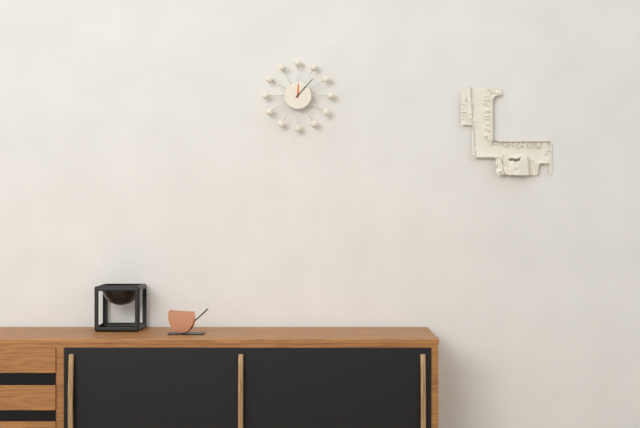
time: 12:07
